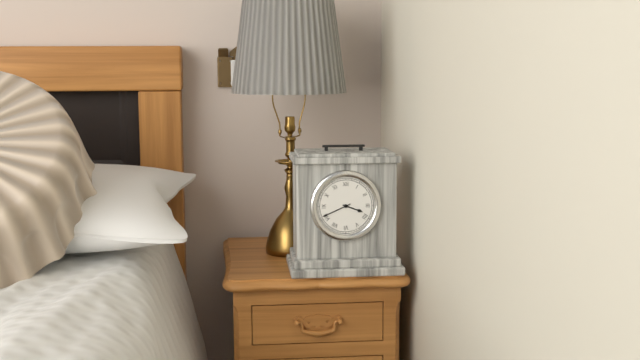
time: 3:41
